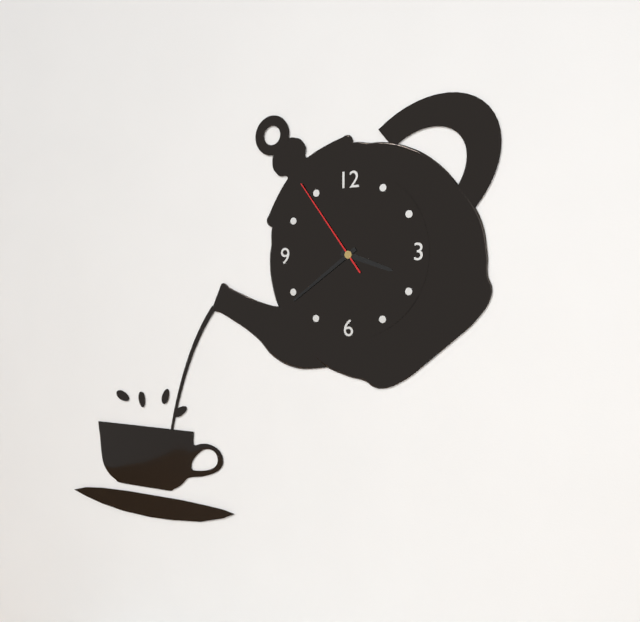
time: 3:39:54
